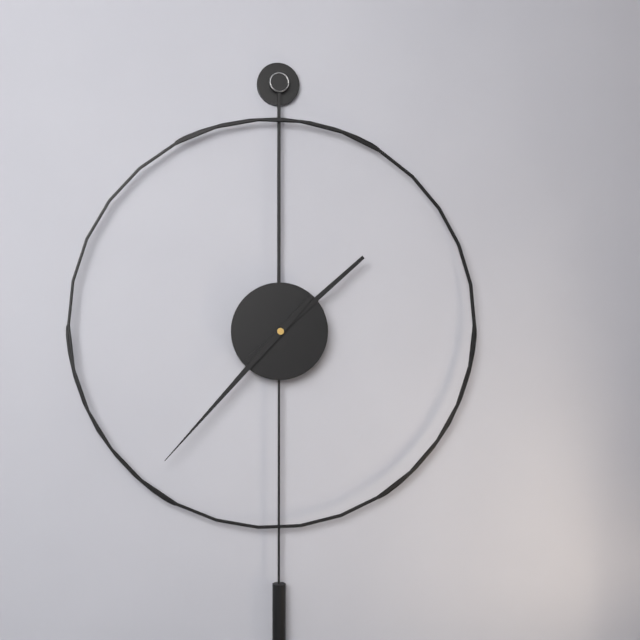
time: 1:37
